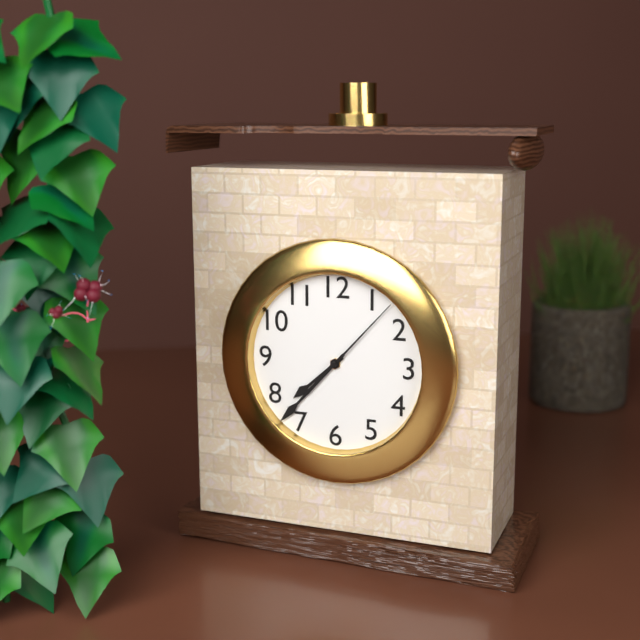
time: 7:37:07
